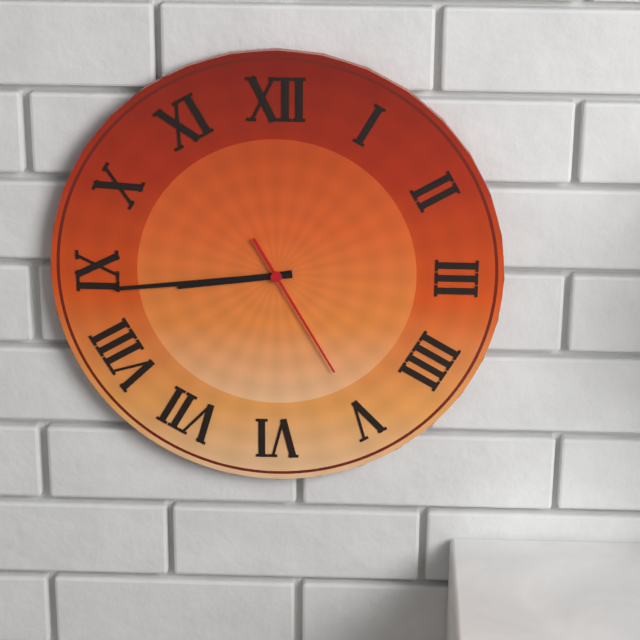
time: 8:44:25
